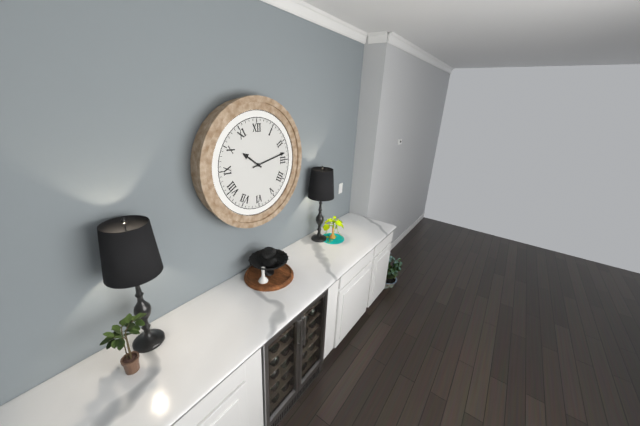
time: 10:13
